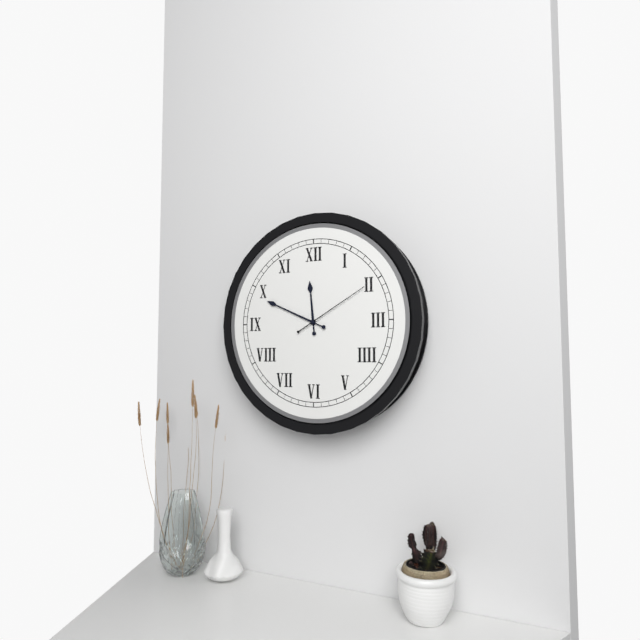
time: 11:49:10
